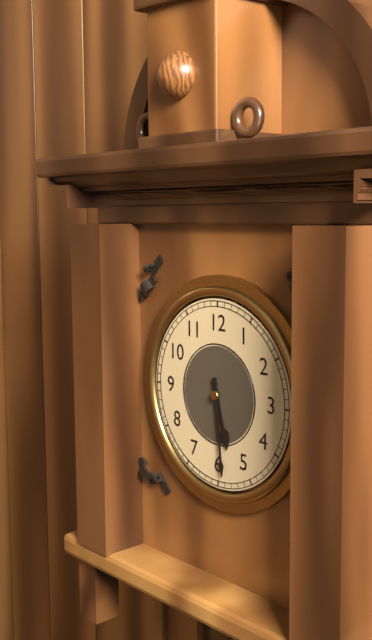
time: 5:29
